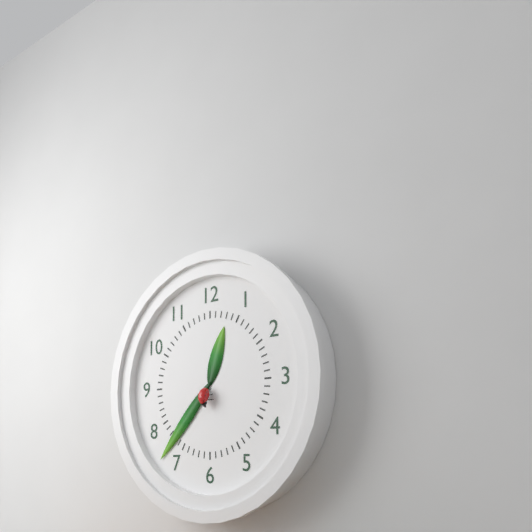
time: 12:37
